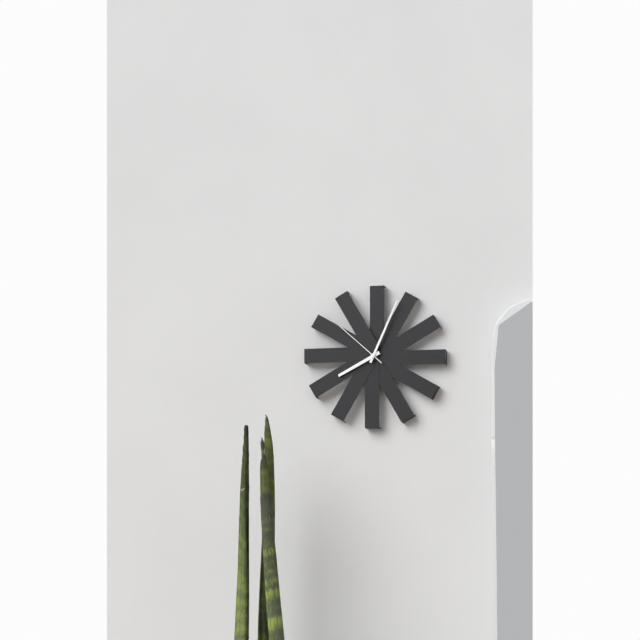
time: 8:04:52
